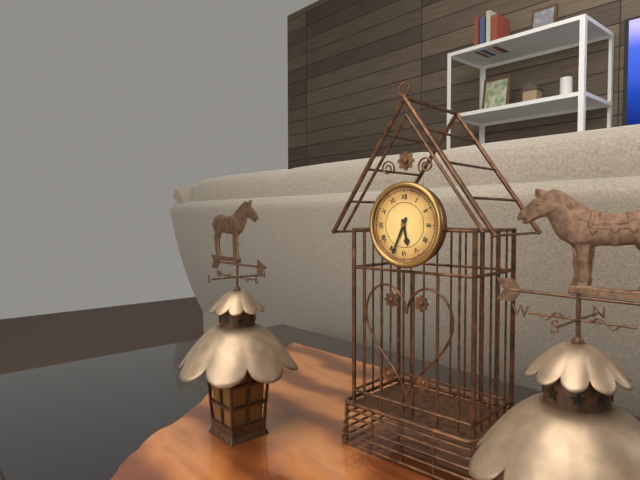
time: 5:34
